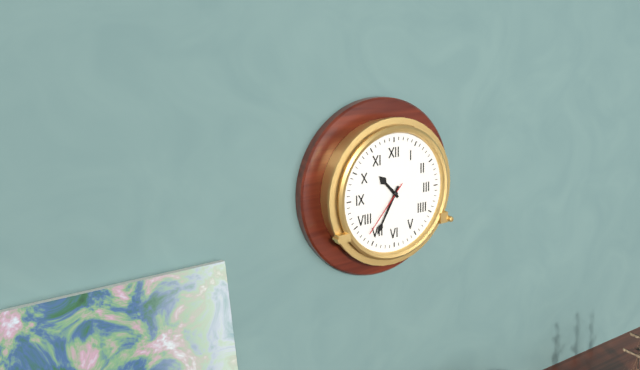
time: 10:35:37
